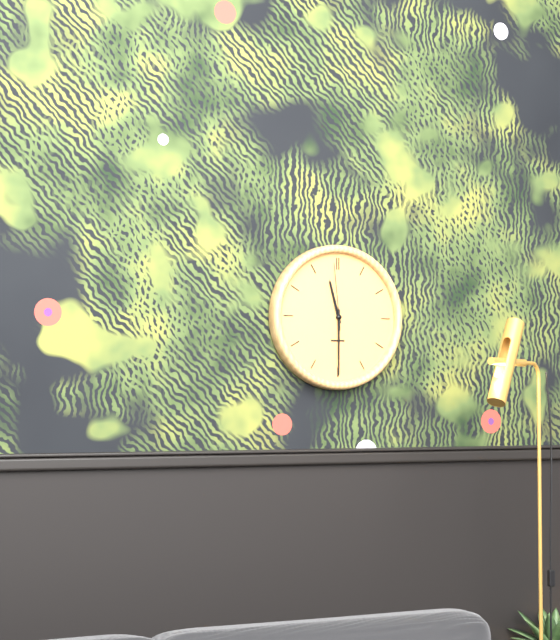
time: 11:30:59
